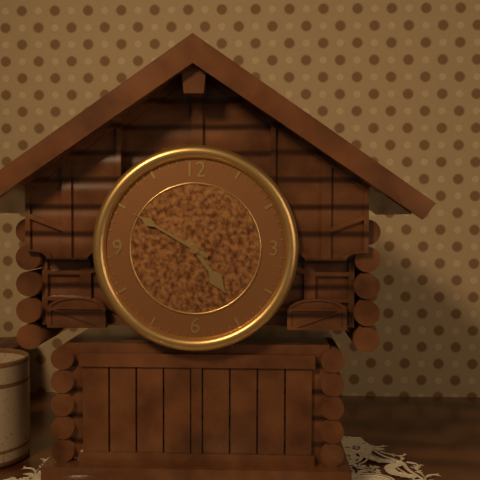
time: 4:50
